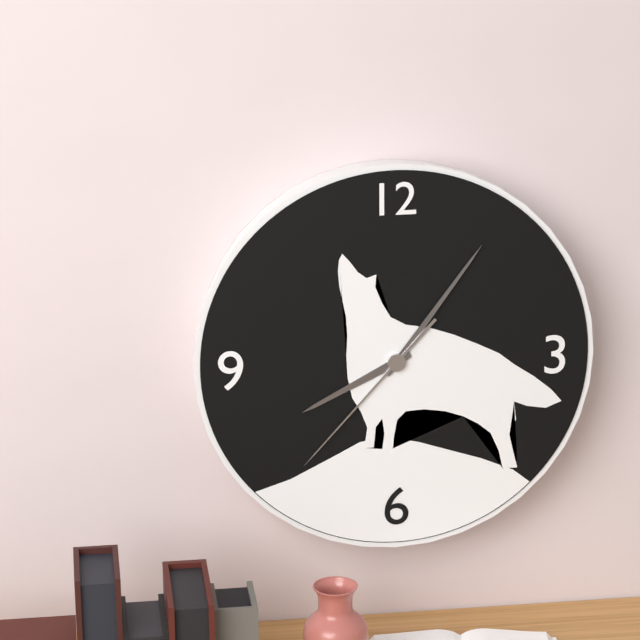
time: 8:06:37
